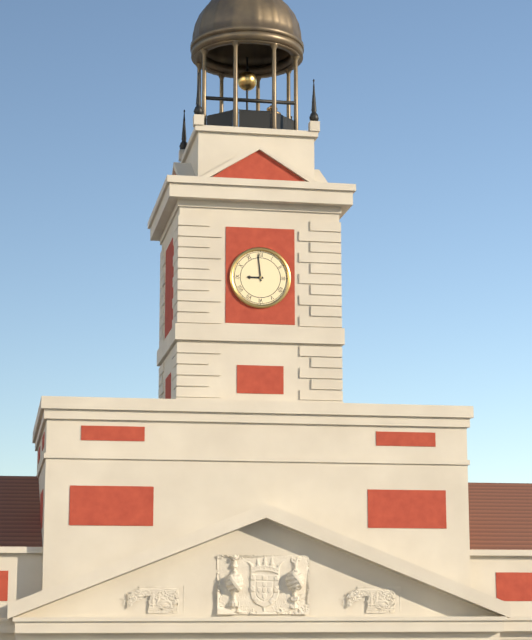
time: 8:59
